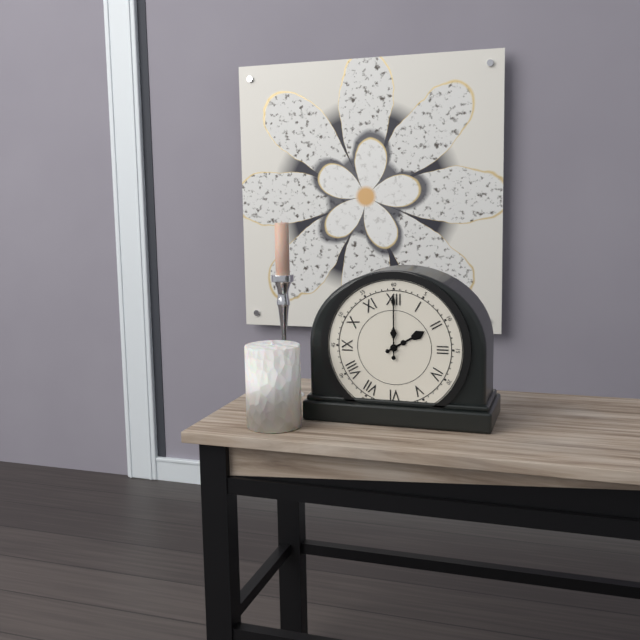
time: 2:00
